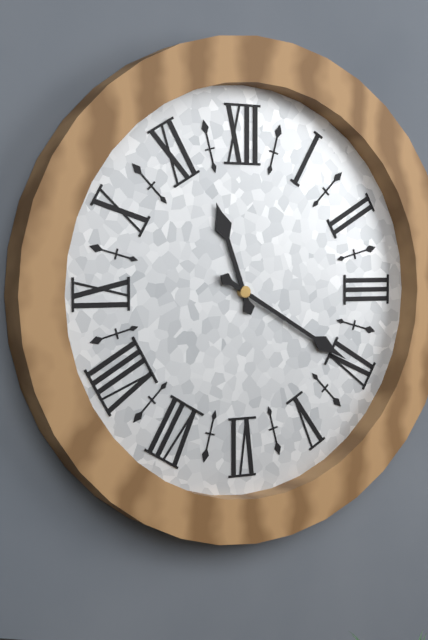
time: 11:20
